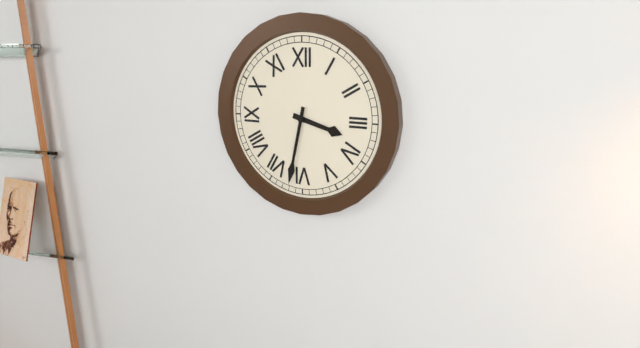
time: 3:32
